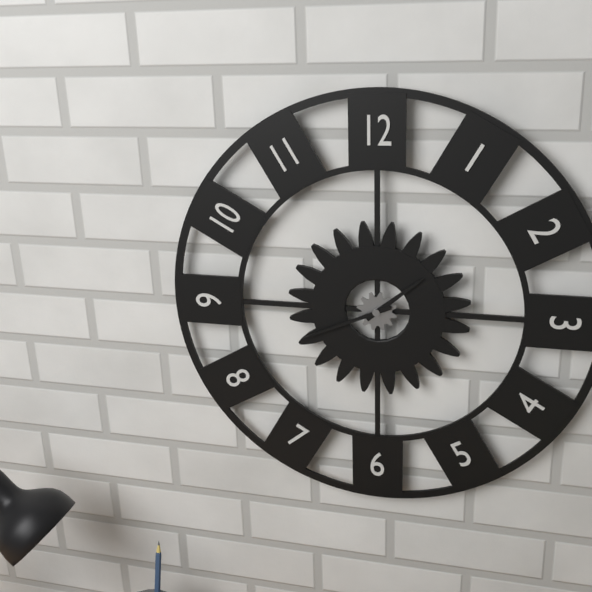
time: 1:41
